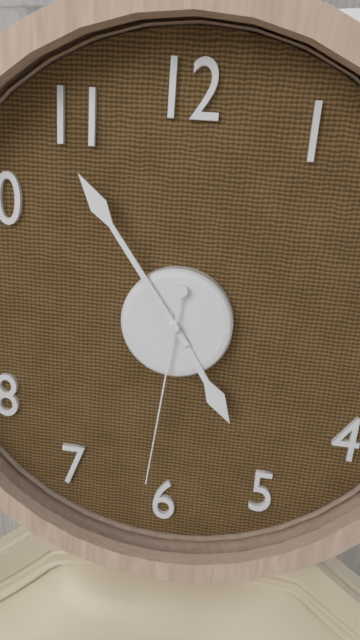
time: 4:54:31
